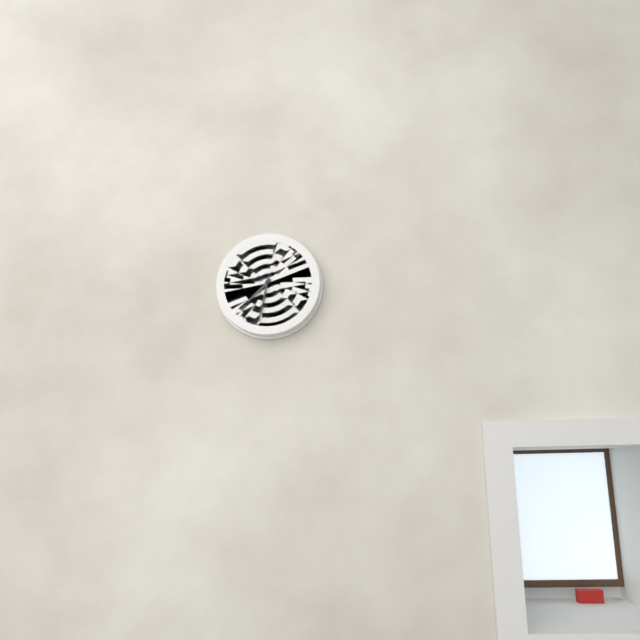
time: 7:32
